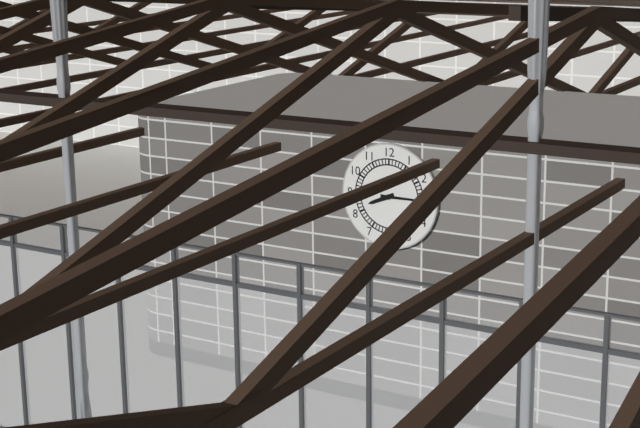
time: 8:15
